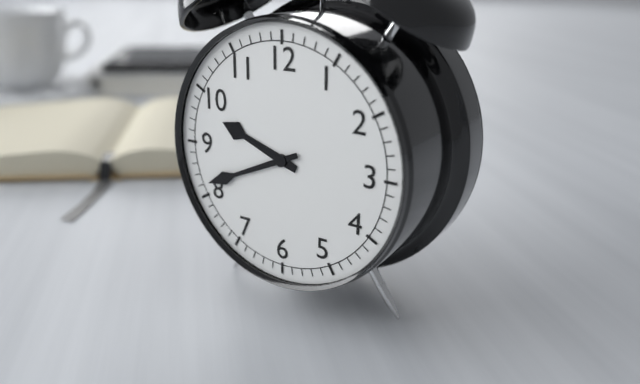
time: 9:41
